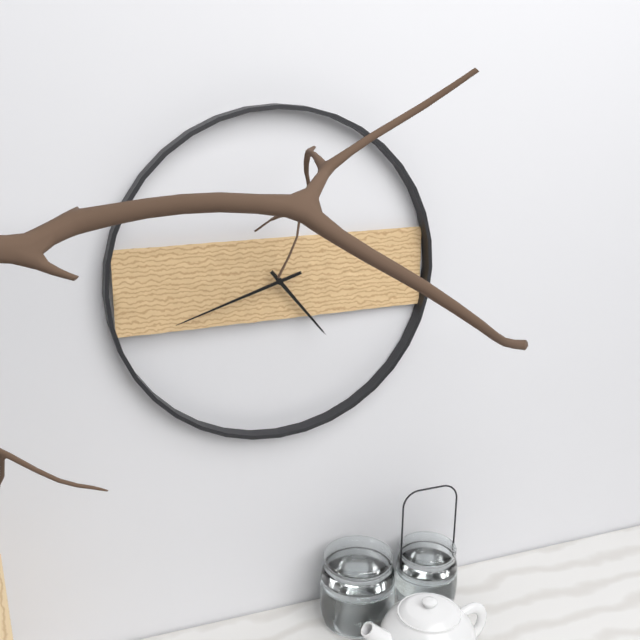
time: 4:42
